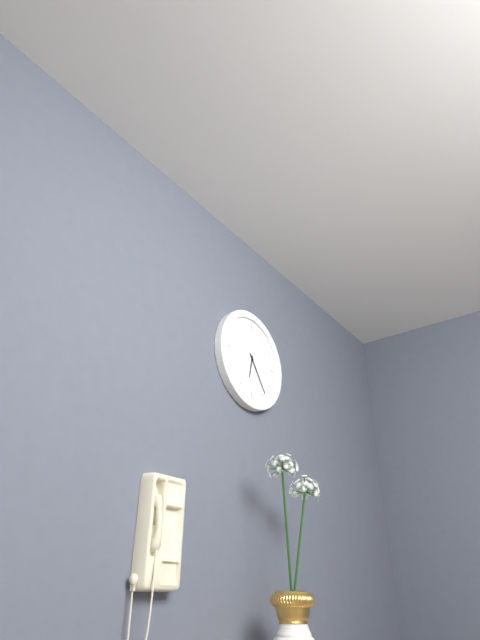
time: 6:24
